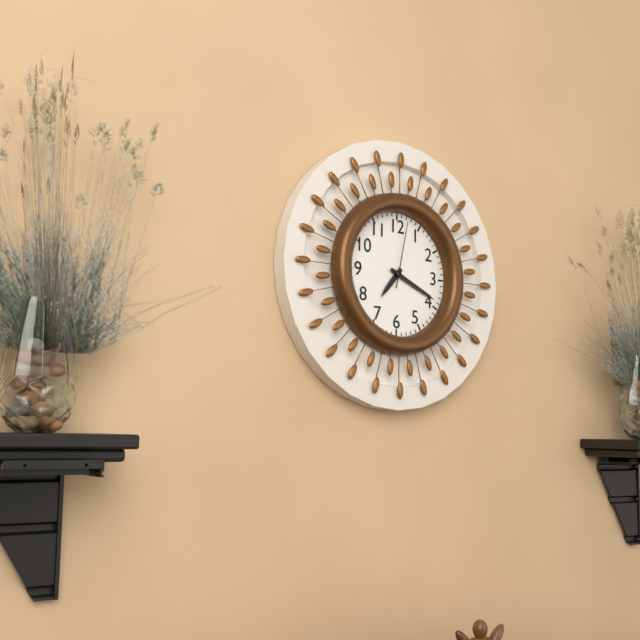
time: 7:19:02
